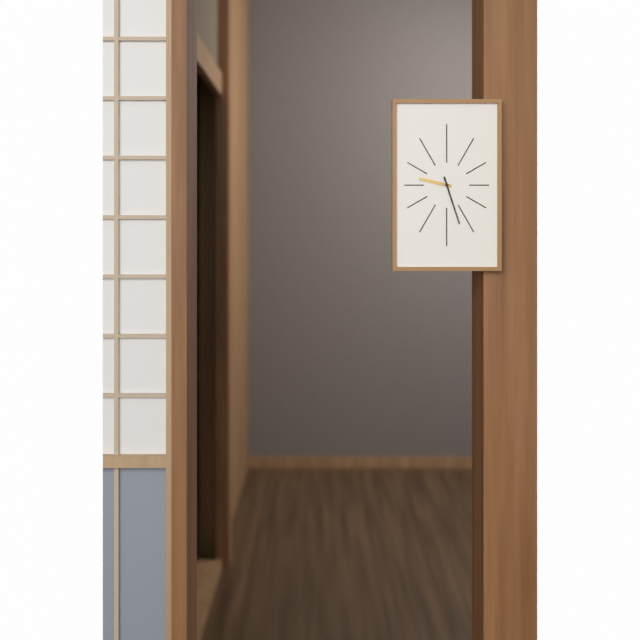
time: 9:27
